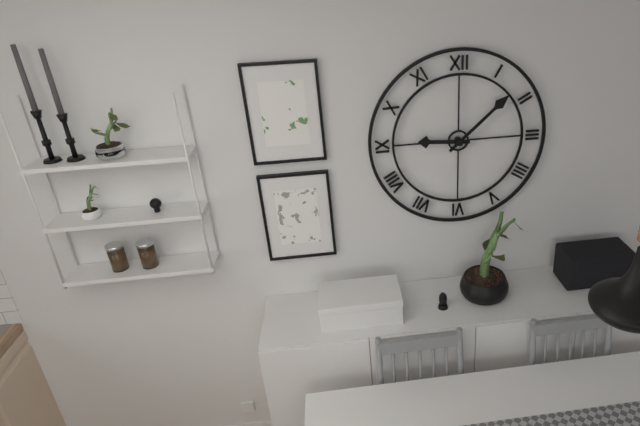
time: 9:08
